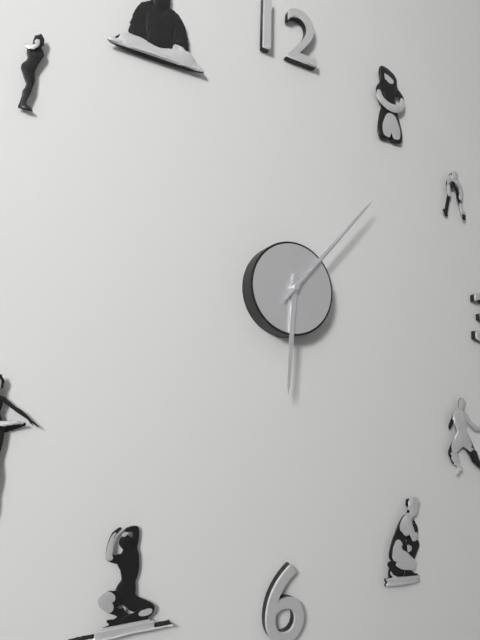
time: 6:07:07
